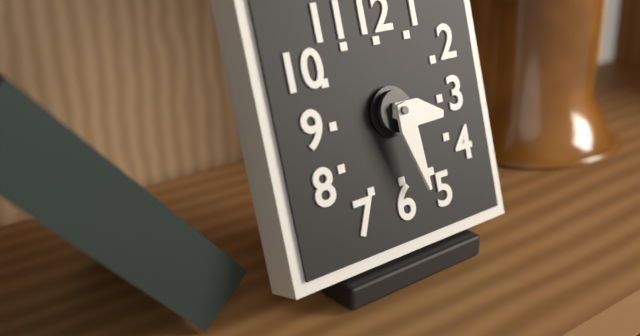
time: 3:28
